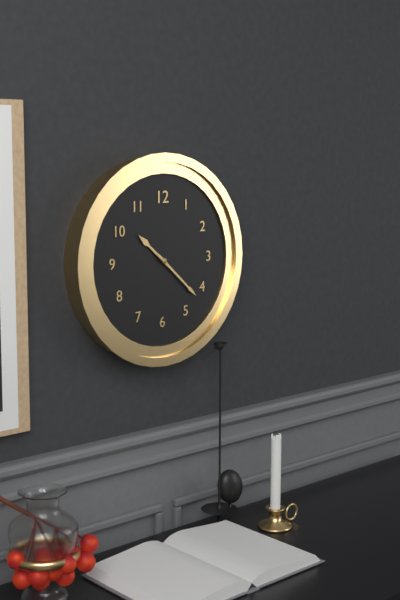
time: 10:22
